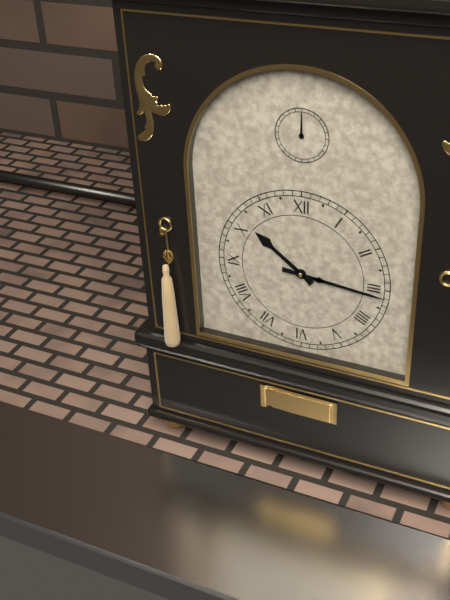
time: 10:16
